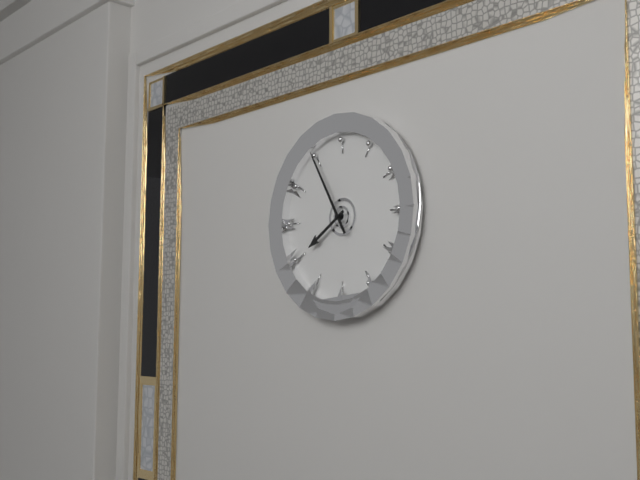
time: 7:55
